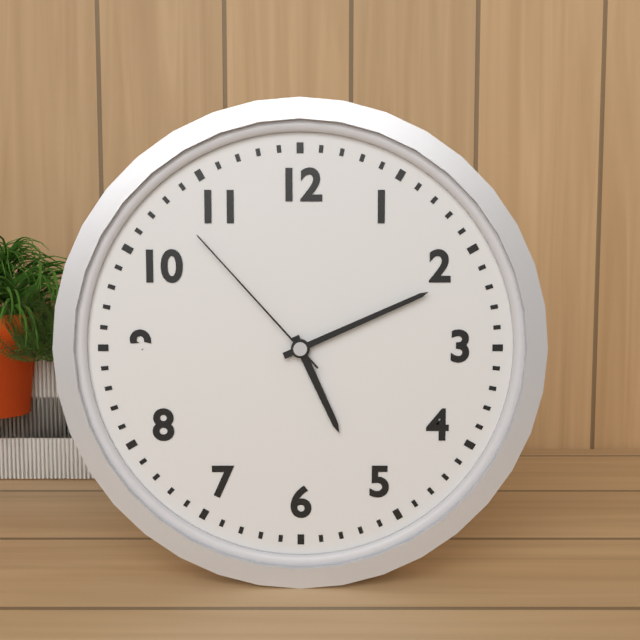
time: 5:11:53
